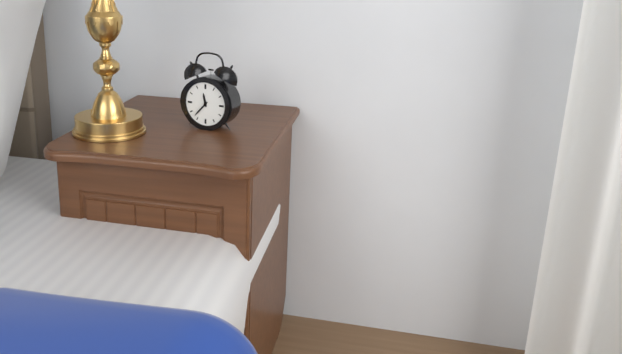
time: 11:37
